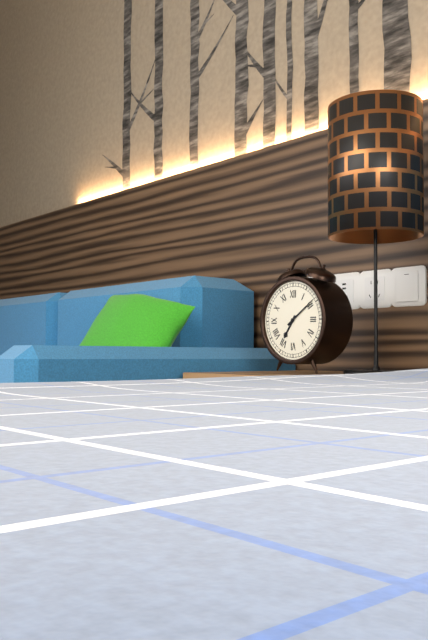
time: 7:09
